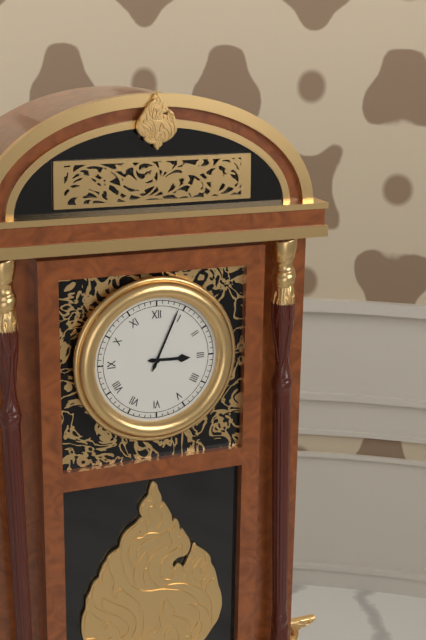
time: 3:04
